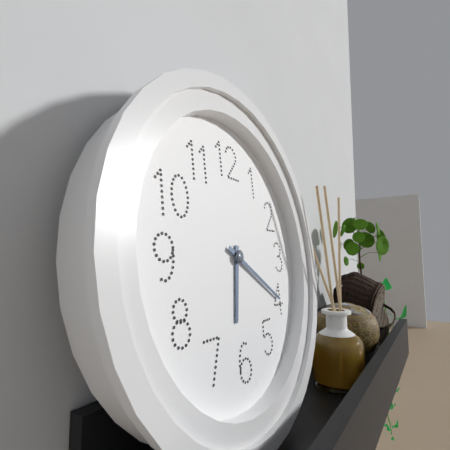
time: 6:20
